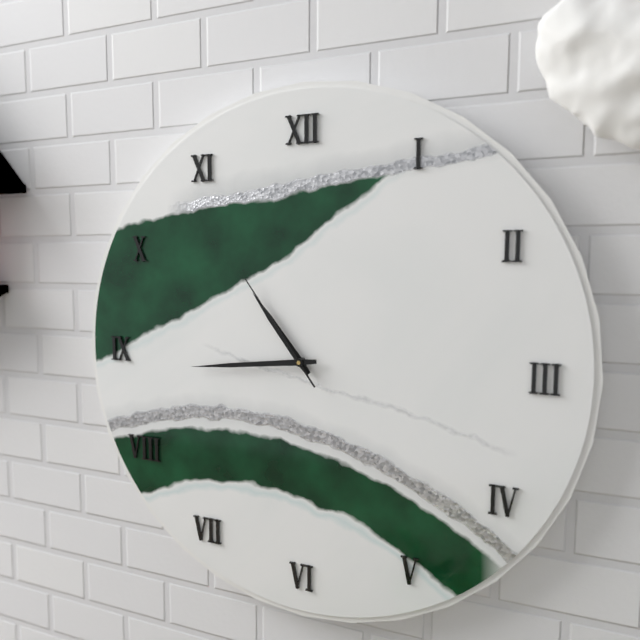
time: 10:44:54
